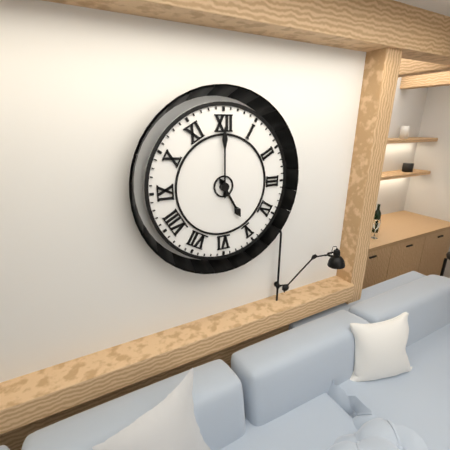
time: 5:00
